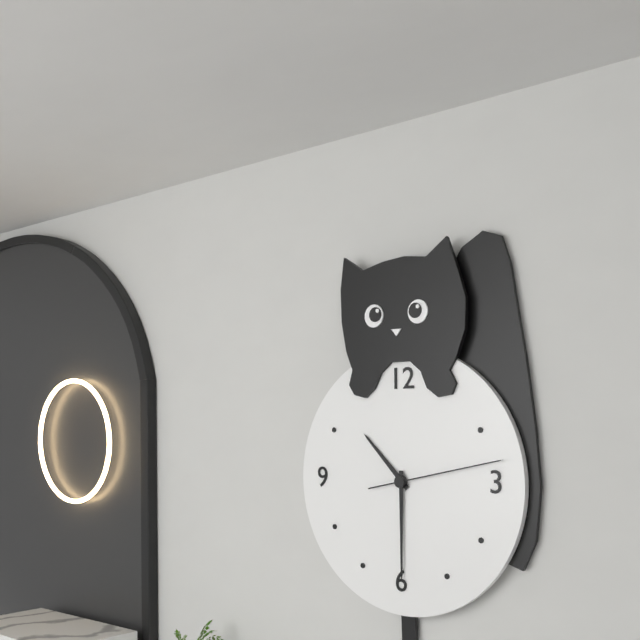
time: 10:30:13
